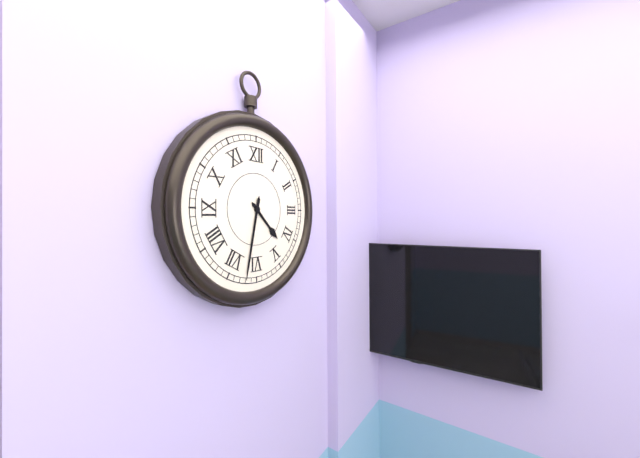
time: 4:32
